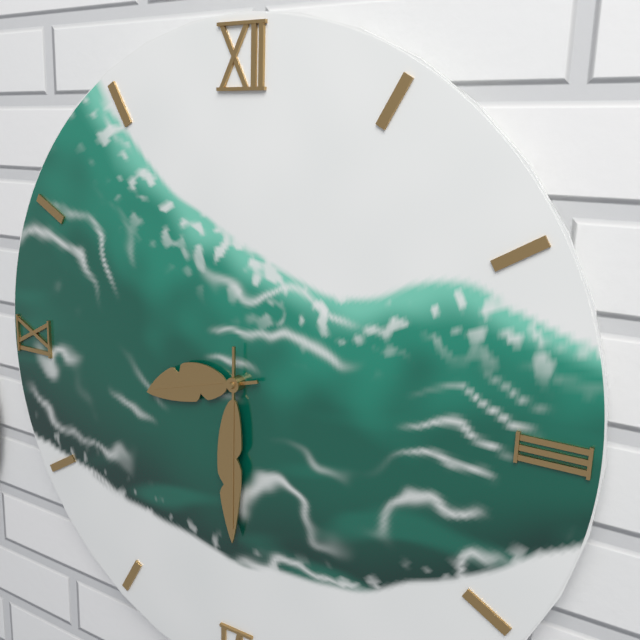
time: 8:30
